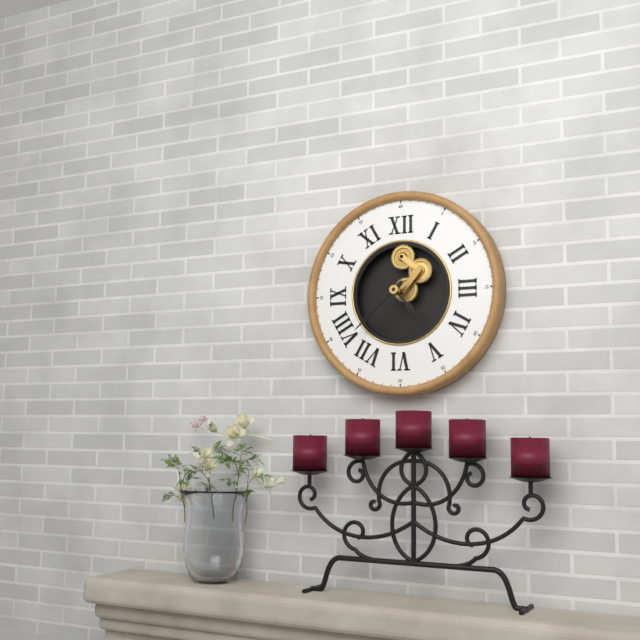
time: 4:38
